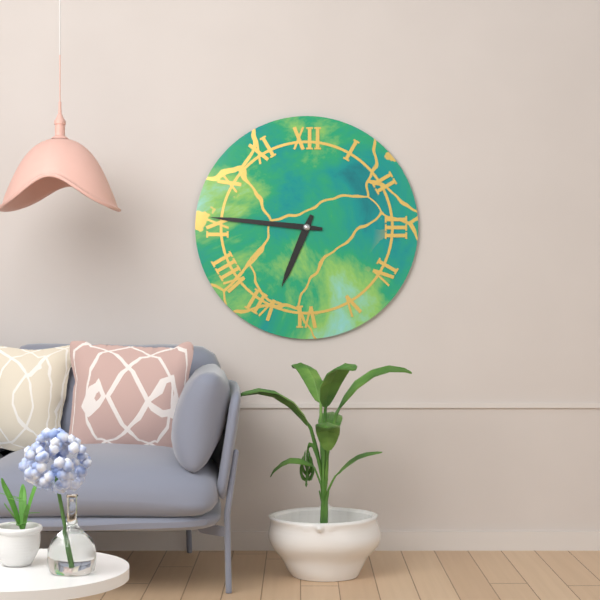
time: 6:46
